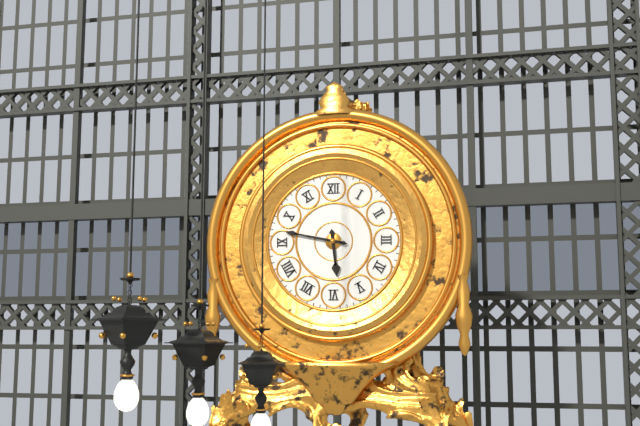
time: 5:47
